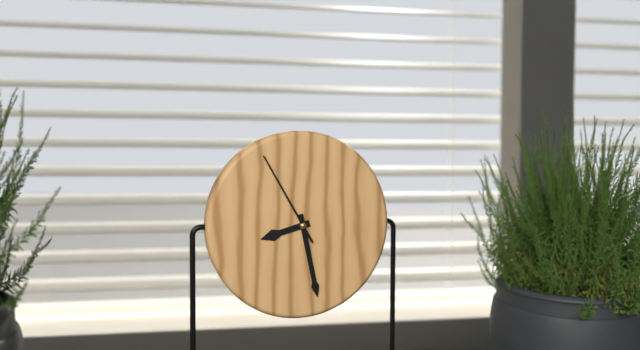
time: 8:28:55
